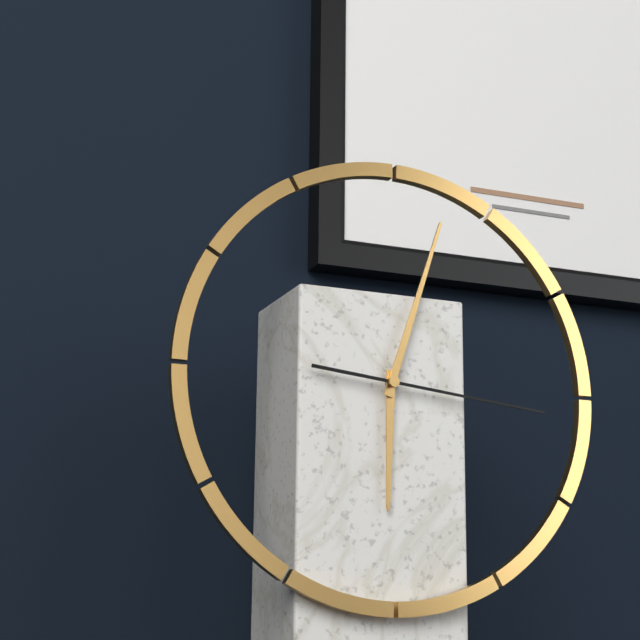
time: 6:03:16
